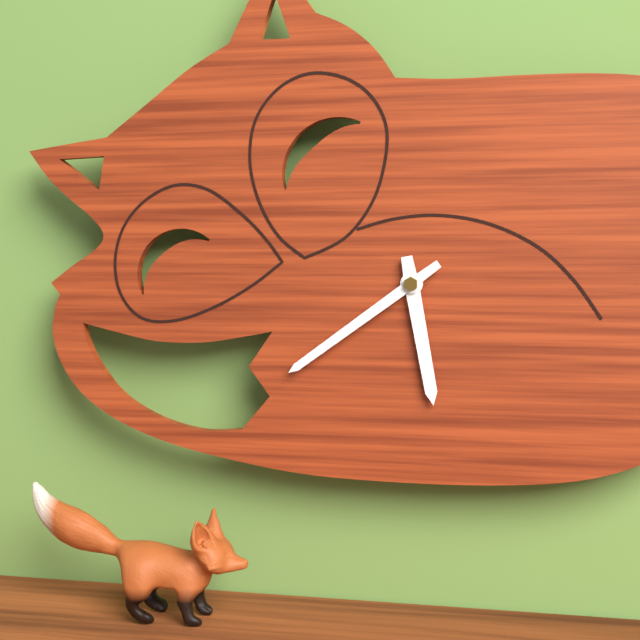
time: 5:39
